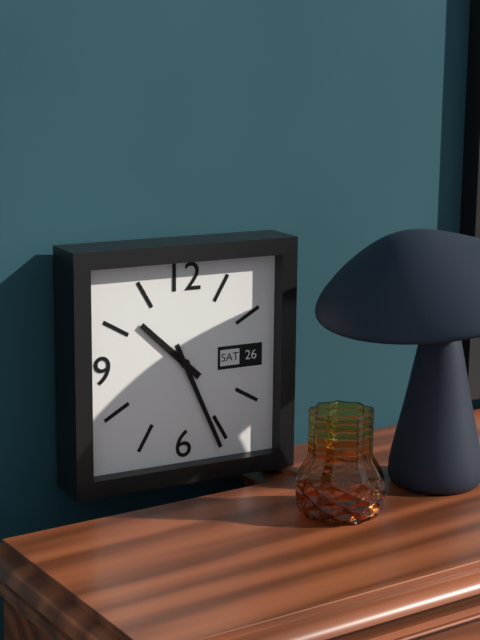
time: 10:26
